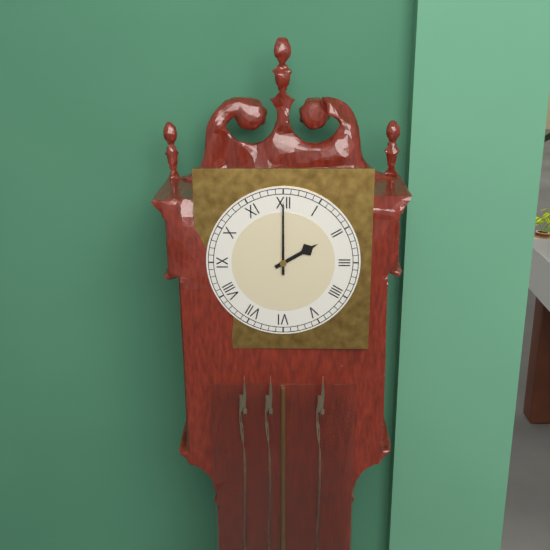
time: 2:00
